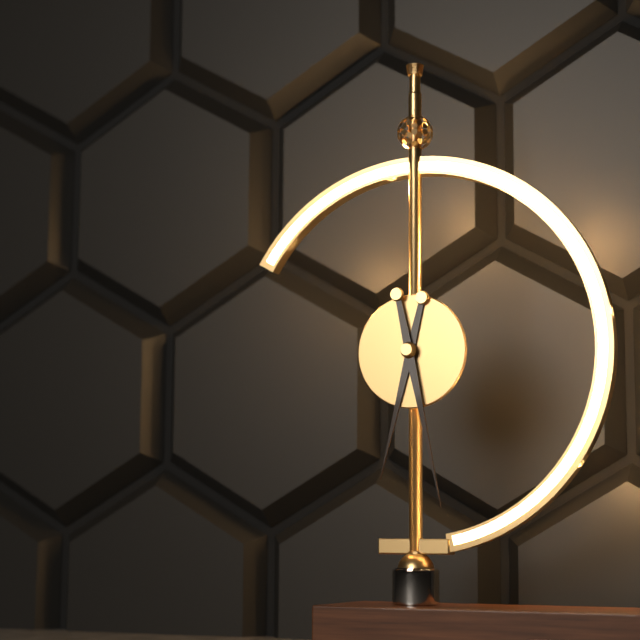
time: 6:28
